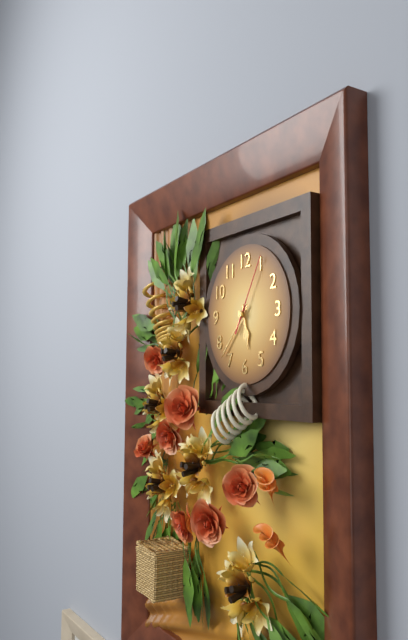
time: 5:37:05
